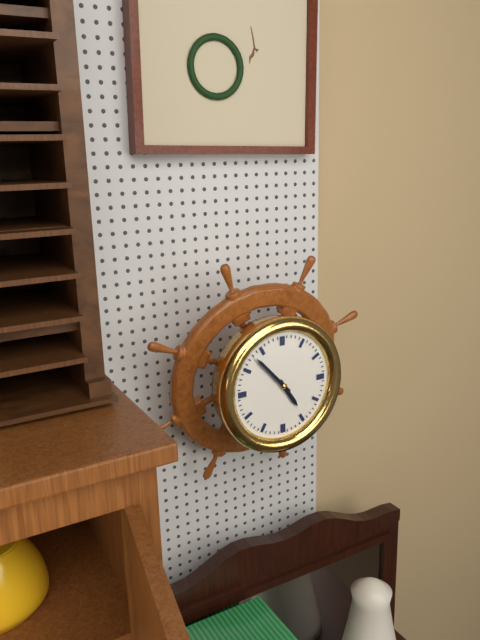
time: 4:53
